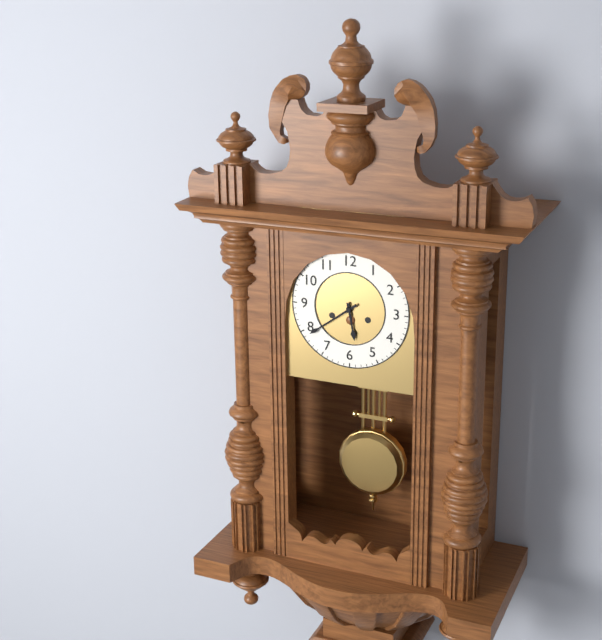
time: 5:39
